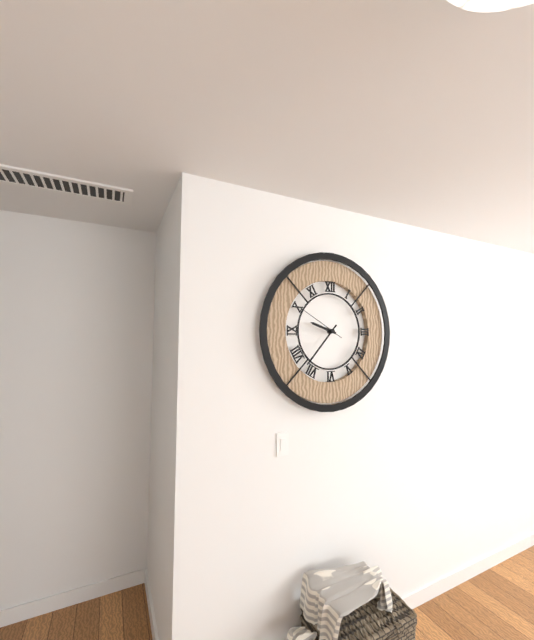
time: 9:37:50
